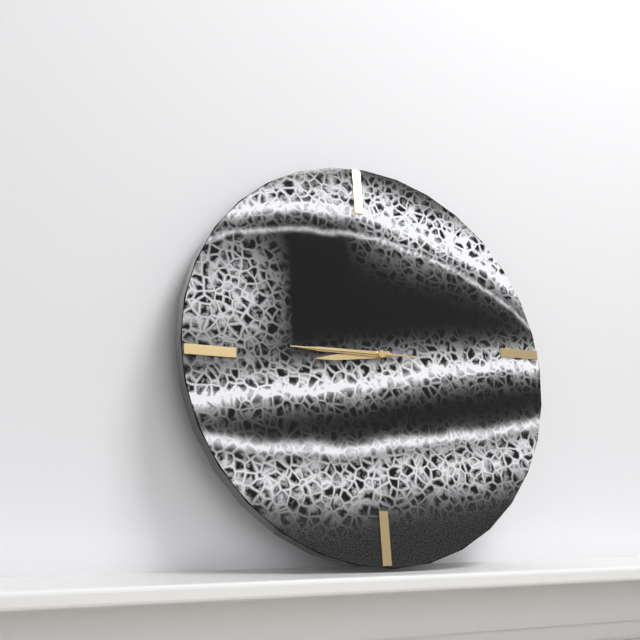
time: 8:45:45
